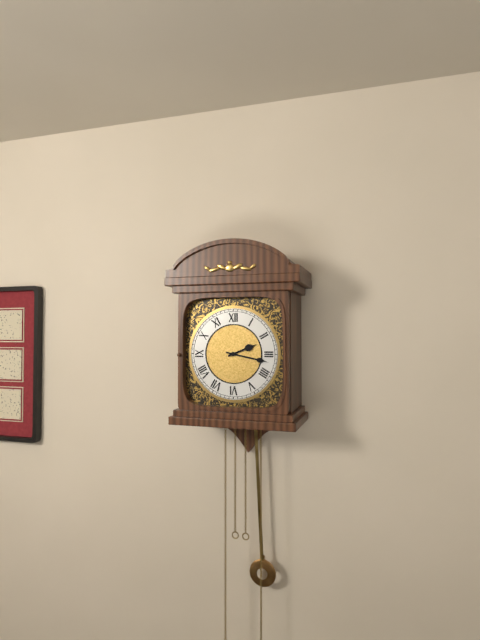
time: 2:17
